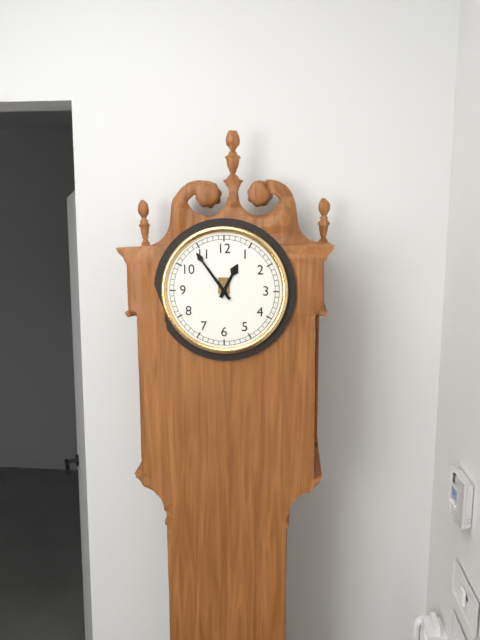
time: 12:54
